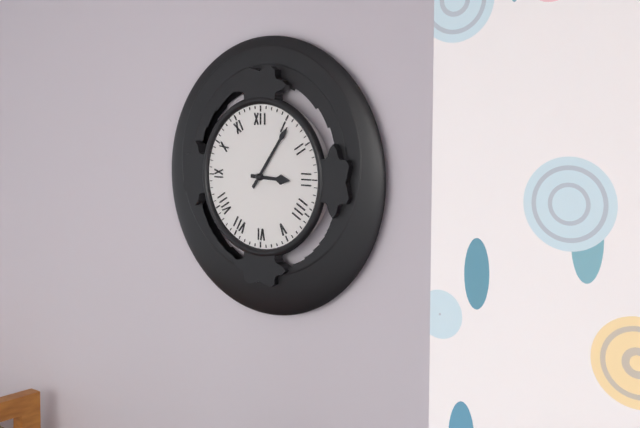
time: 3:06
